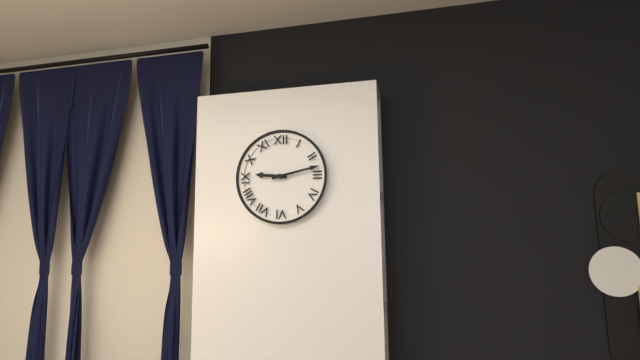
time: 9:13
